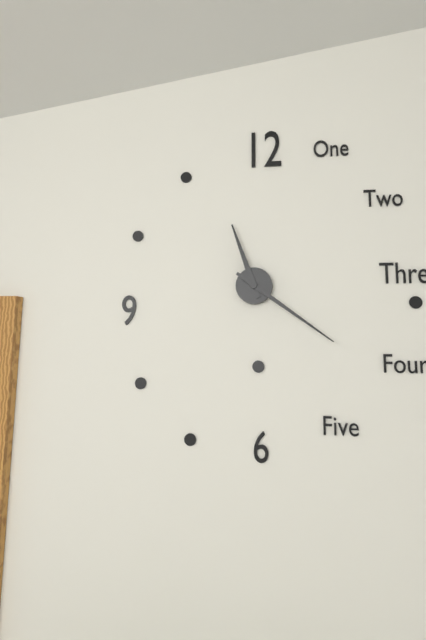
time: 11:21
